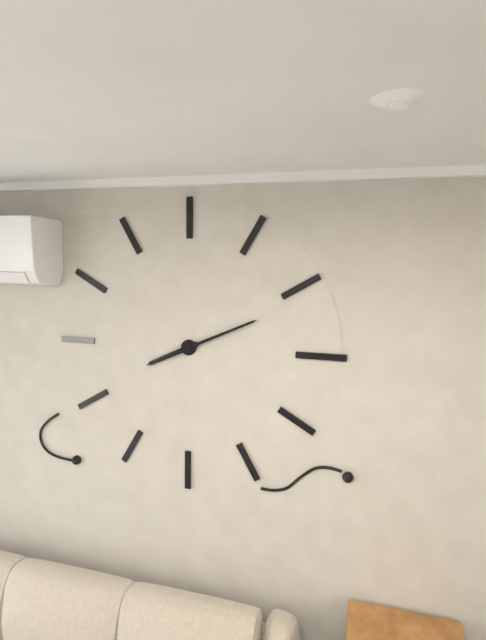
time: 8:11
